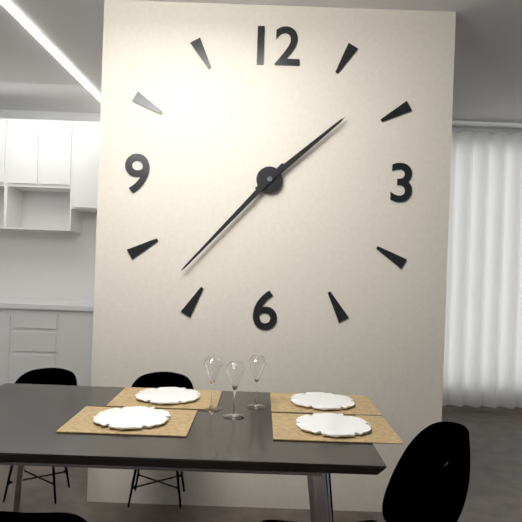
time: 1:37
